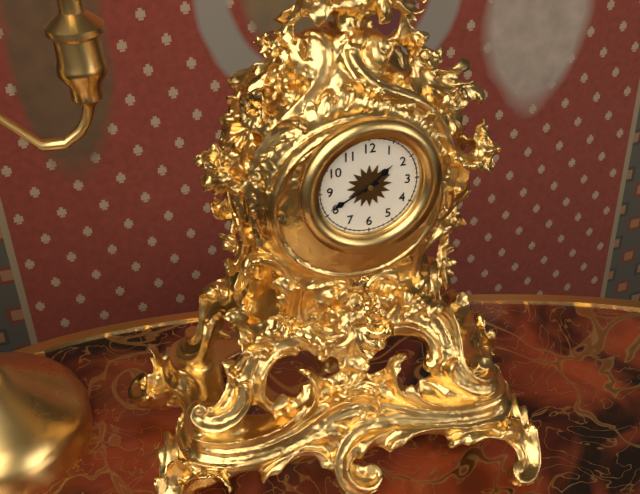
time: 1:41
